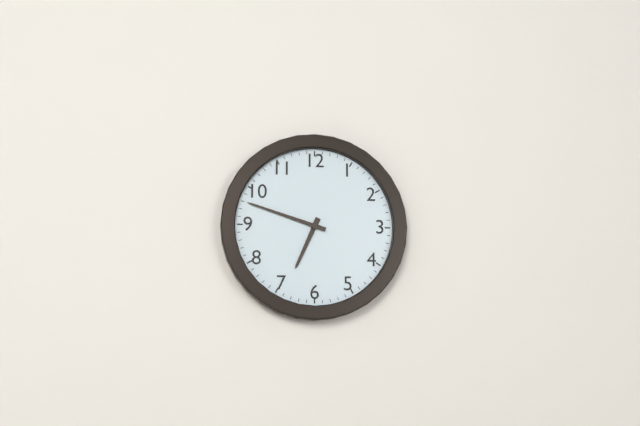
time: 6:48
